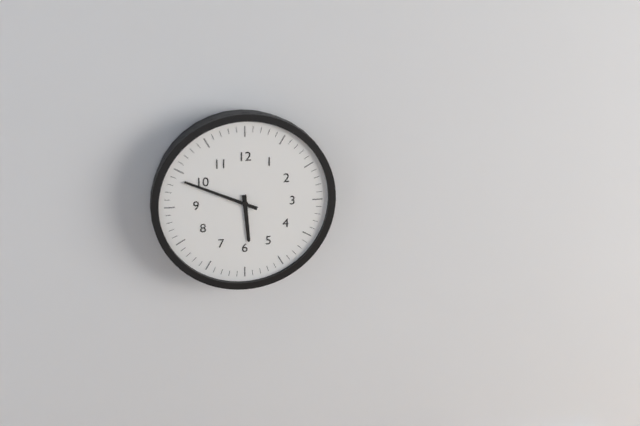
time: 5:49
